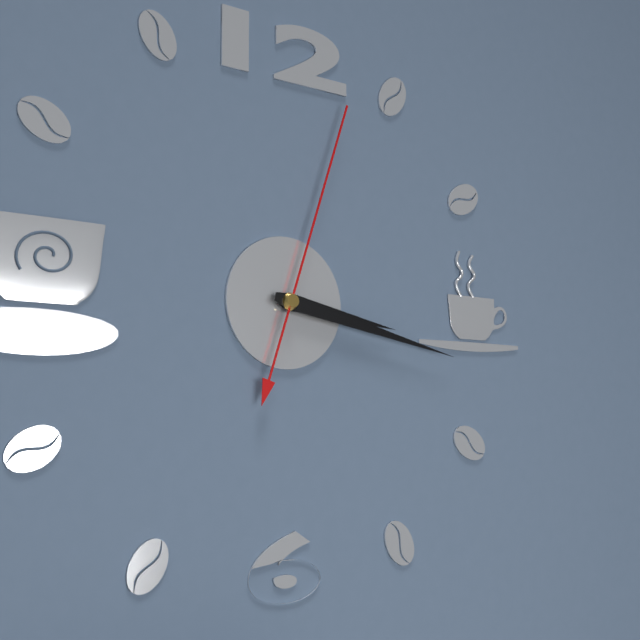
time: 3:17:03
